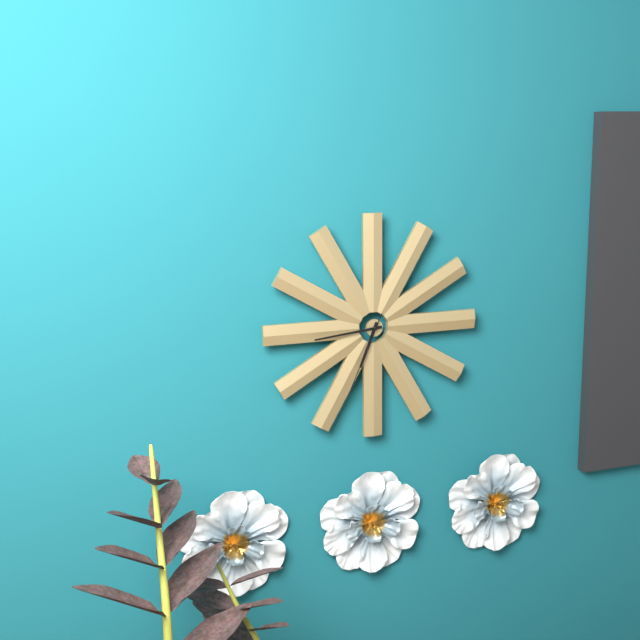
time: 6:44:34
